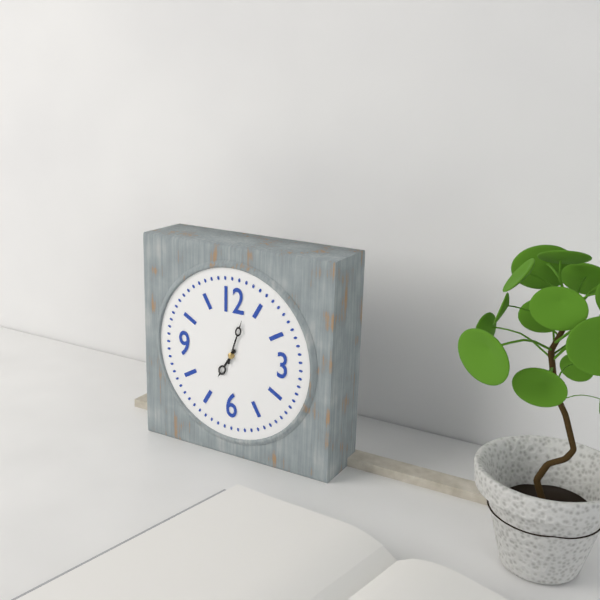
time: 7:03
